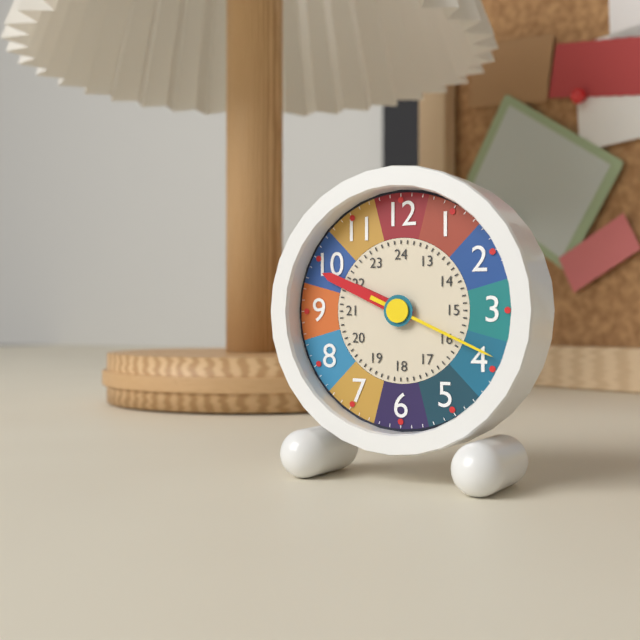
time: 9:49:19
